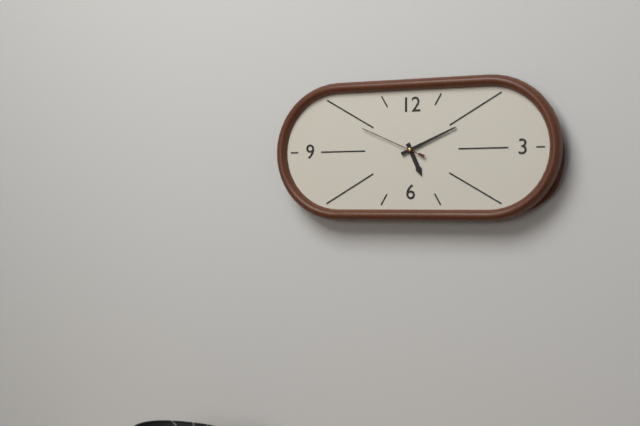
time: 5:11:49
